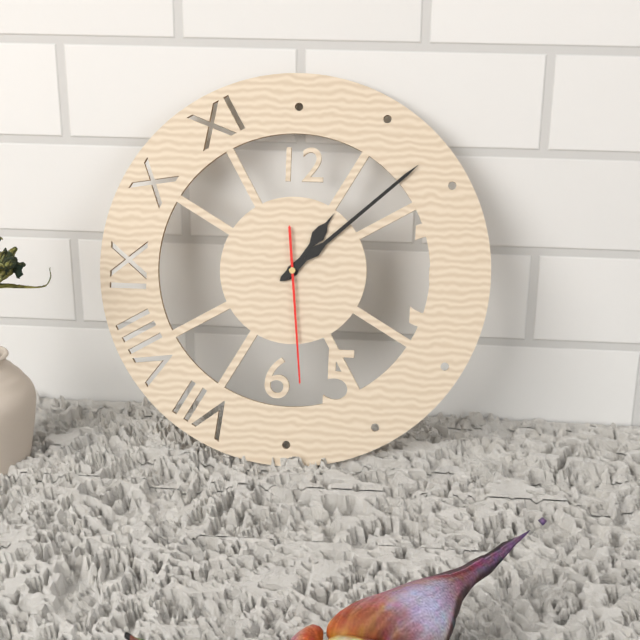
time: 1:08:29
